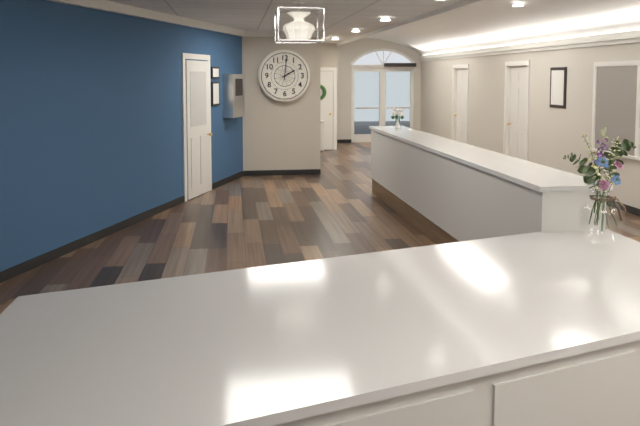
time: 2:01
